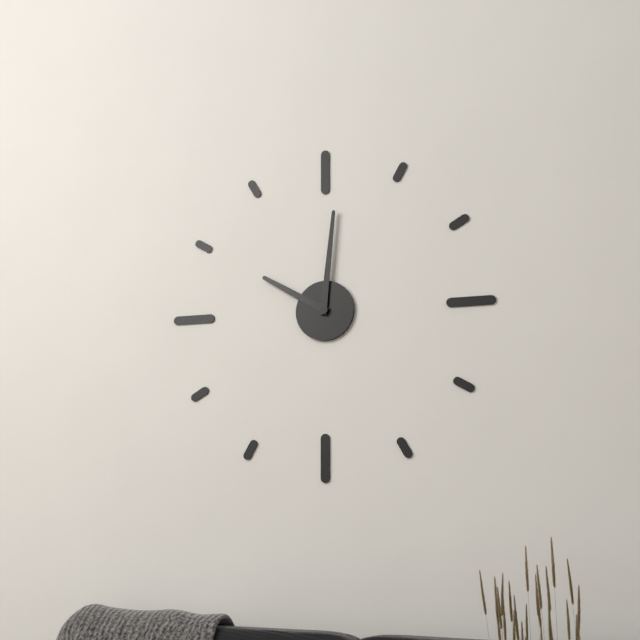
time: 10:01
